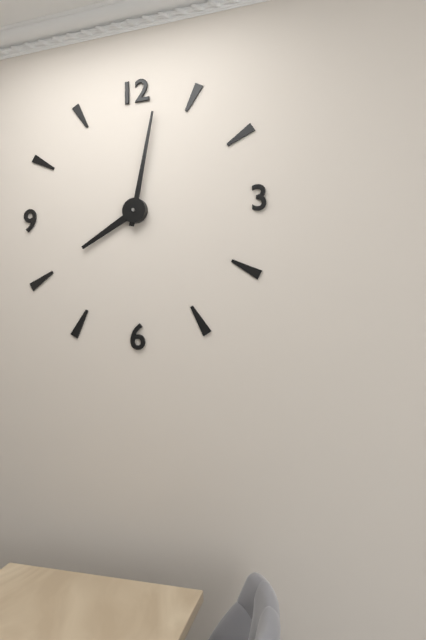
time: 8:02
